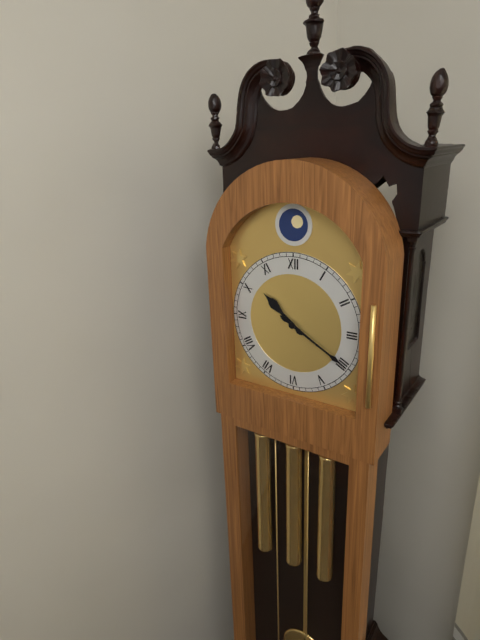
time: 10:20
